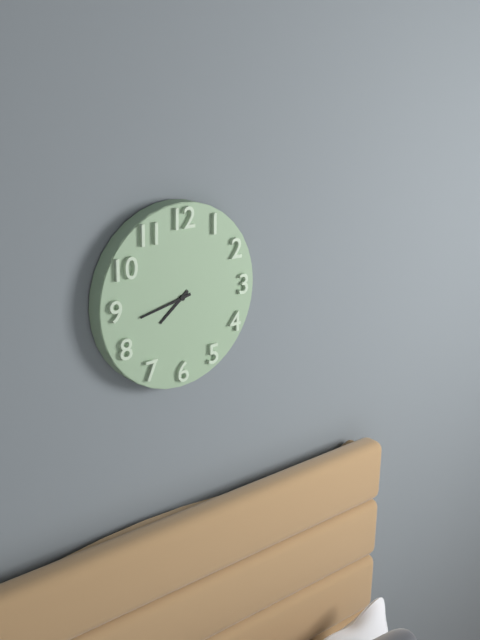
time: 7:43
